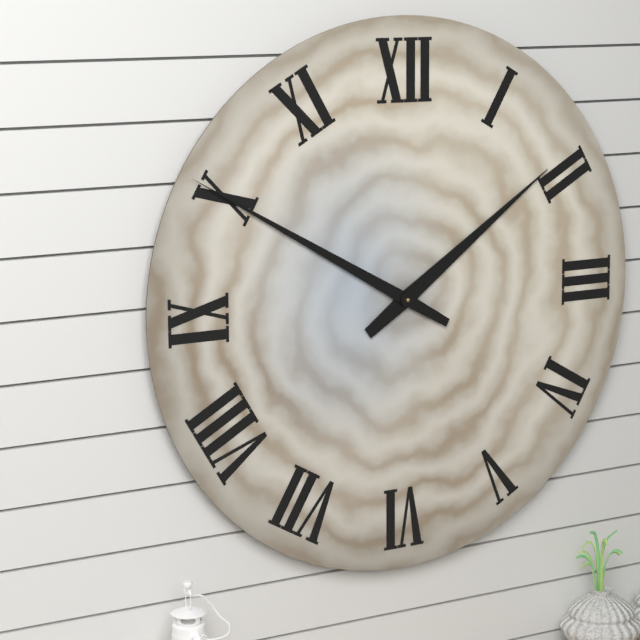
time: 1:50
